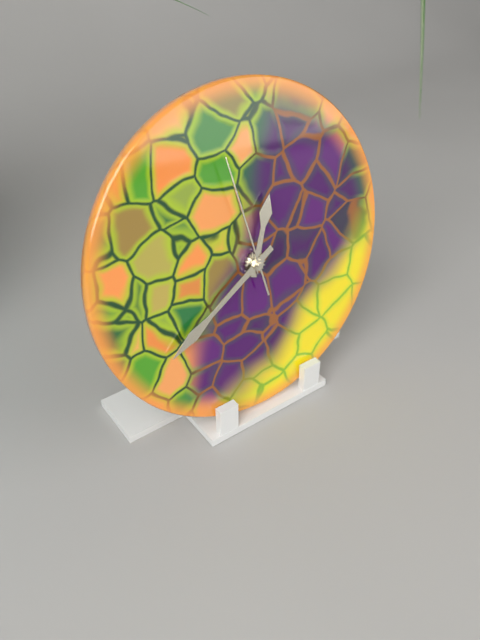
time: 12:40:58
